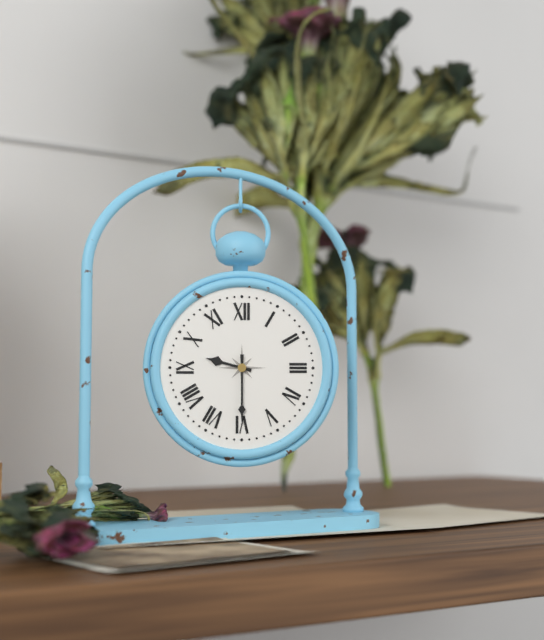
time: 9:30
